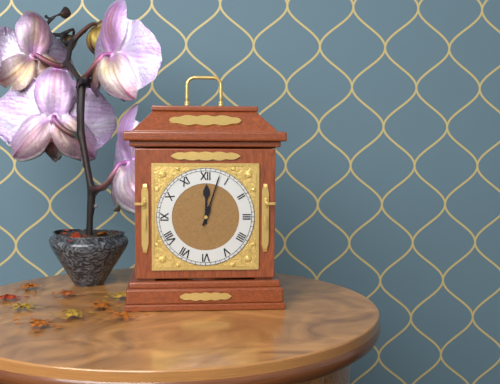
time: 12:03
